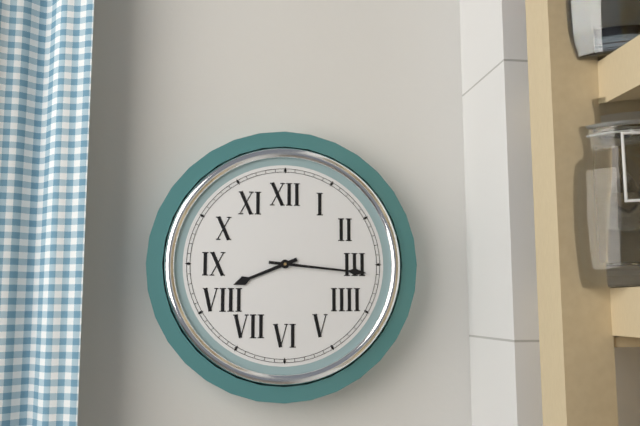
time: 8:16
